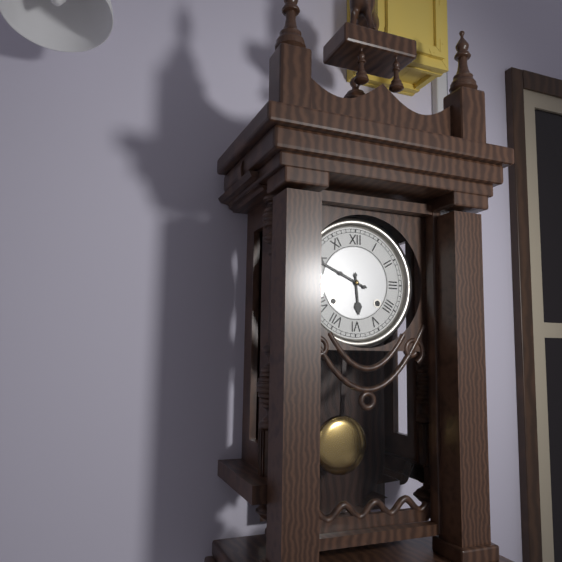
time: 5:49
